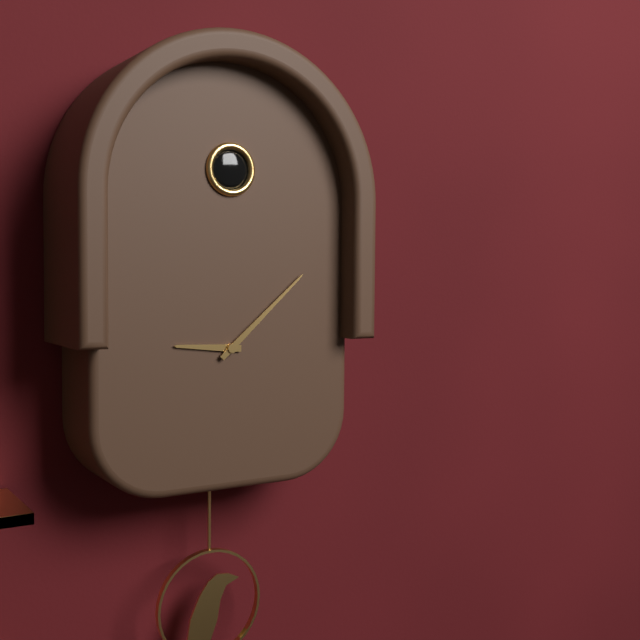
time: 9:08
